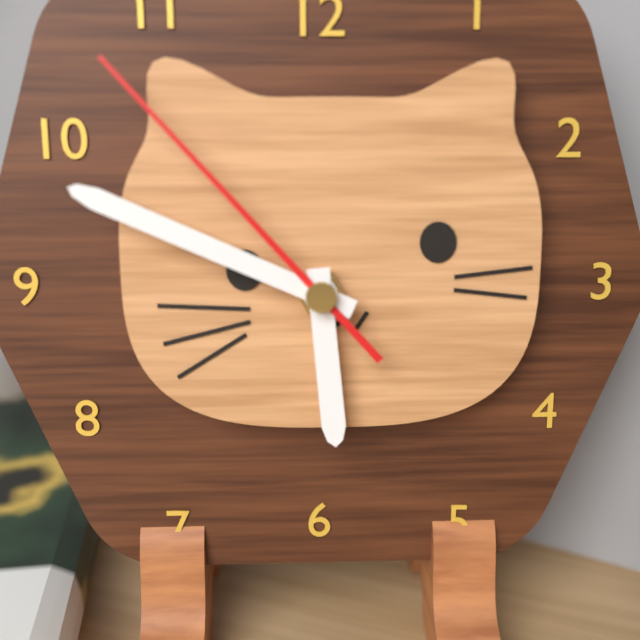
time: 5:49:53
